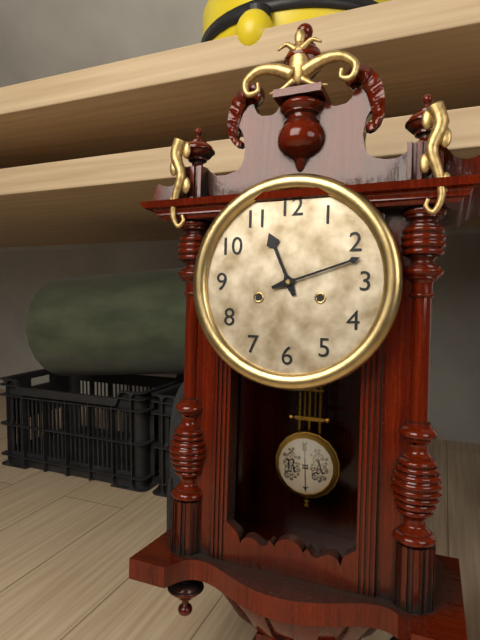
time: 11:12
